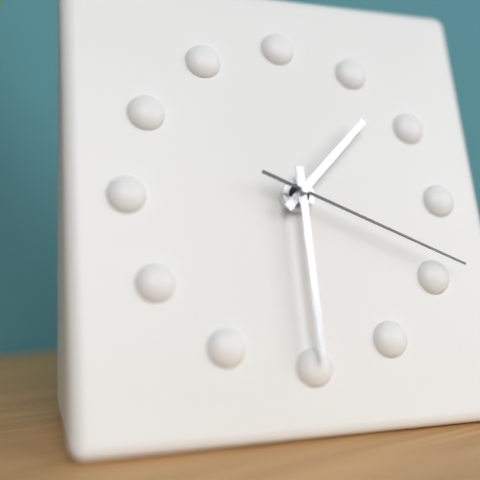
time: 1:30:19
